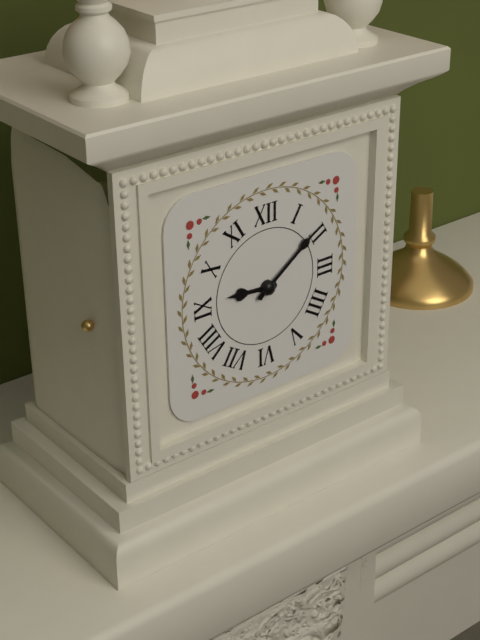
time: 9:09
